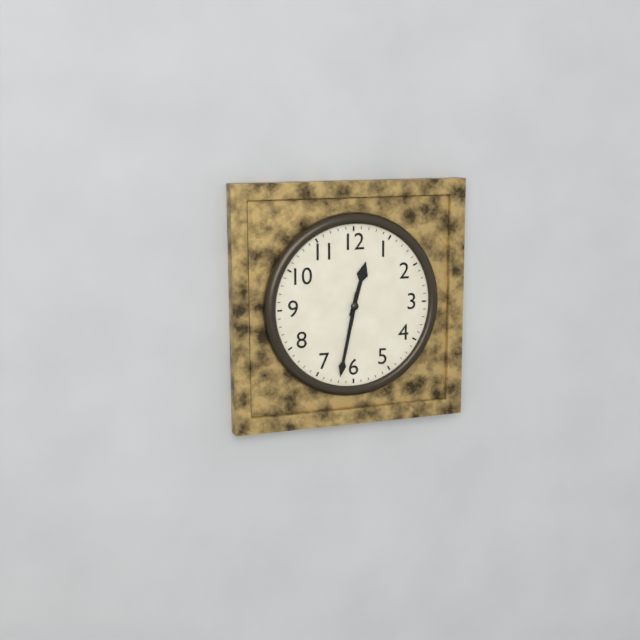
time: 12:32
